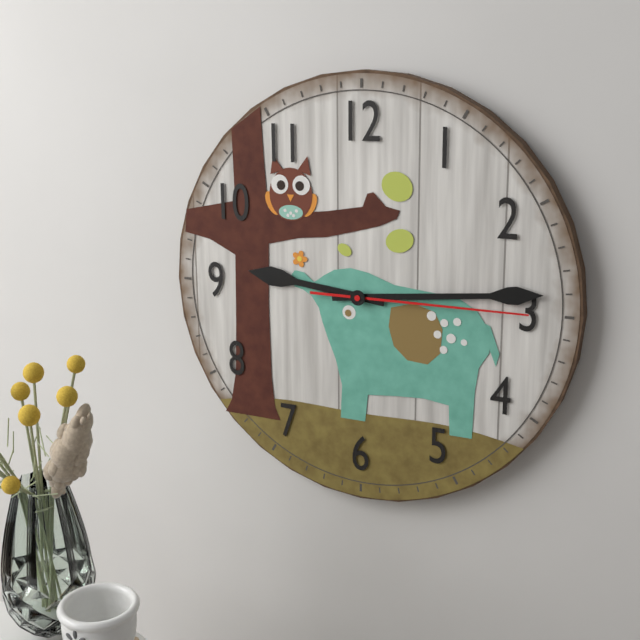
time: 9:14:15
